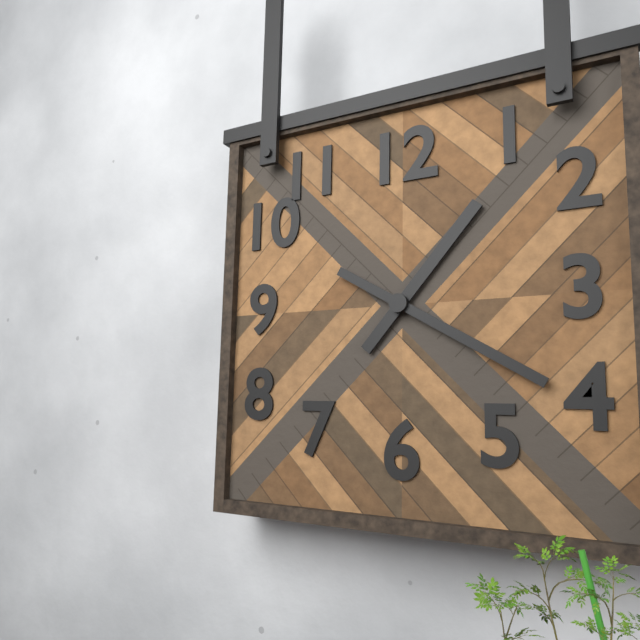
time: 1:20
